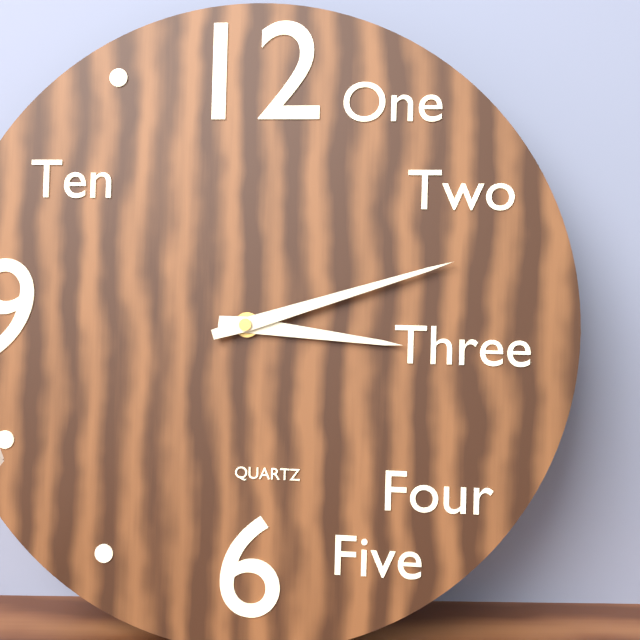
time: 3:12
